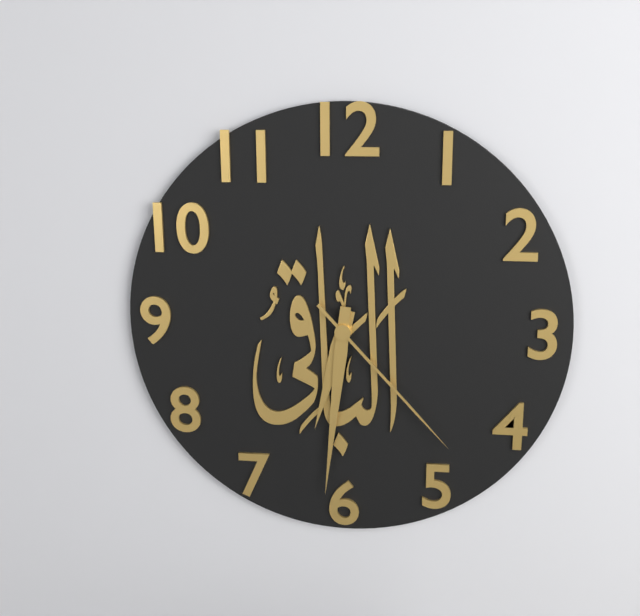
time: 6:31:23
